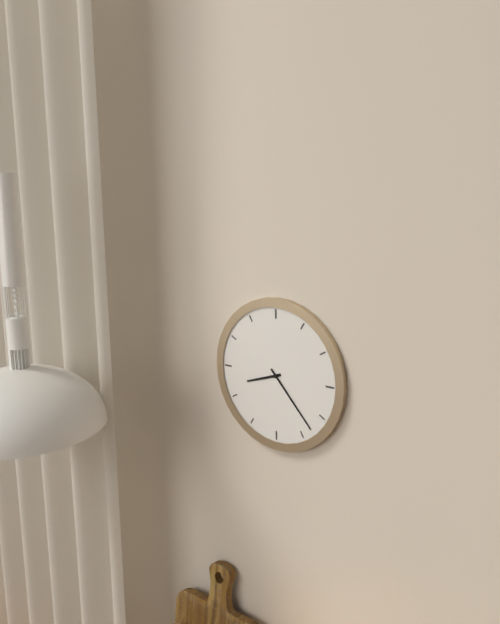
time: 8:23
